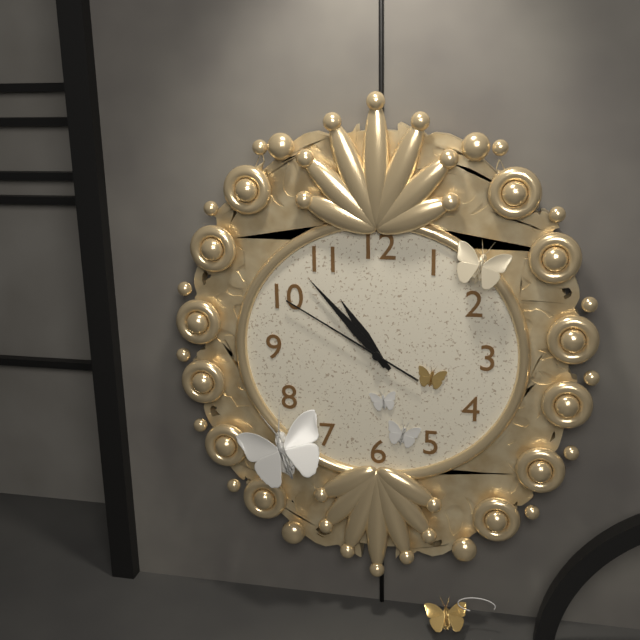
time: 10:53:50
